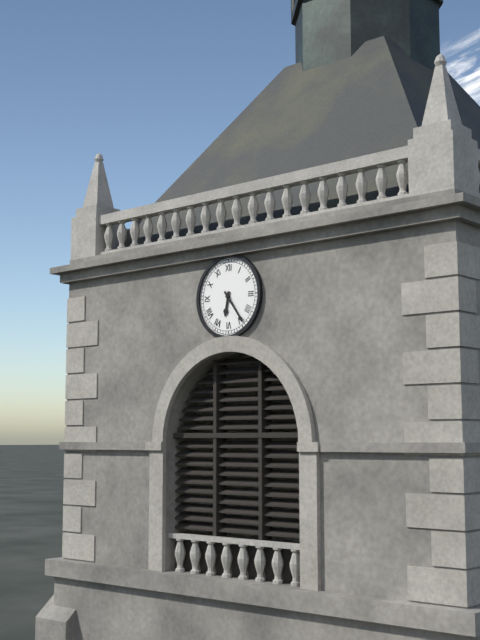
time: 6:24
